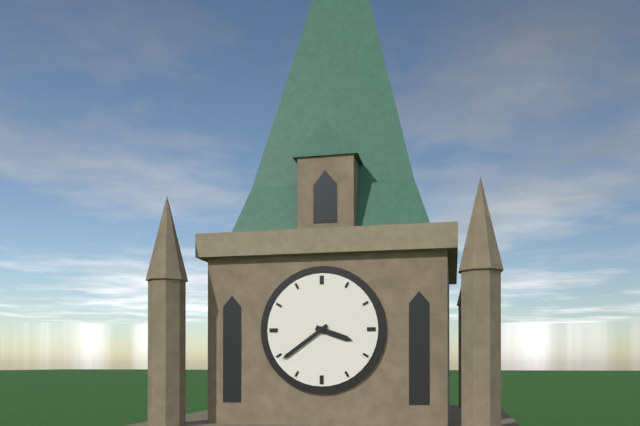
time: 3:39
